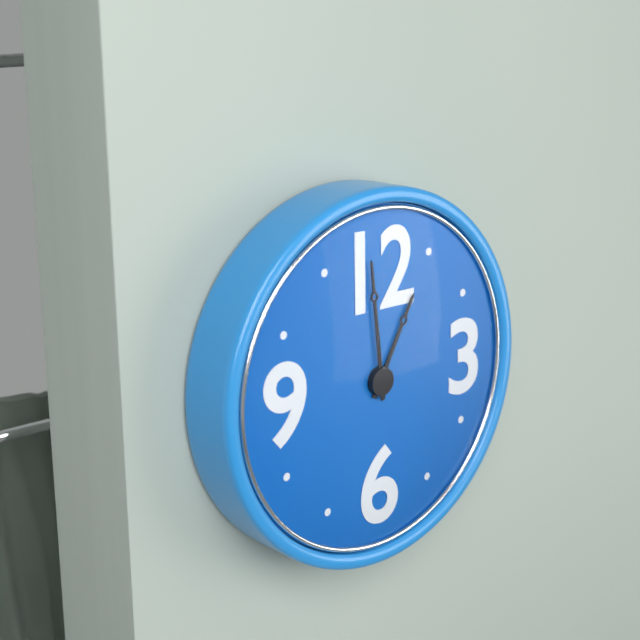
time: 12:59
